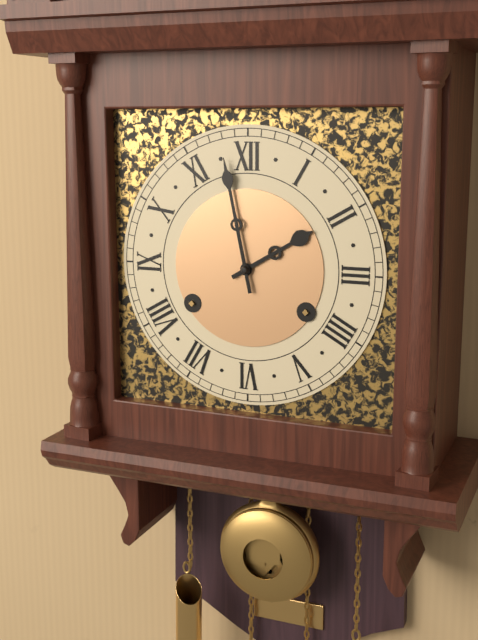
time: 1:58
